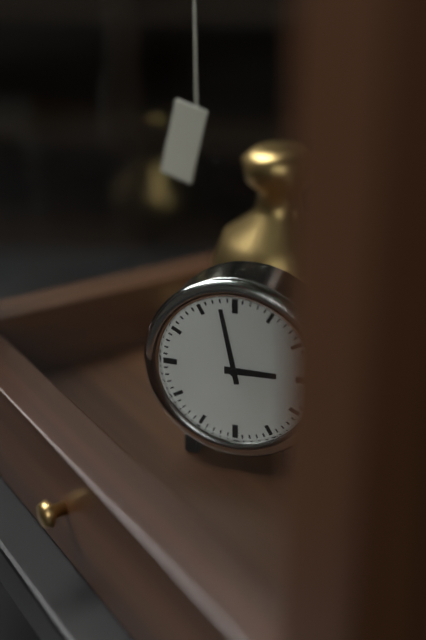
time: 2:58
